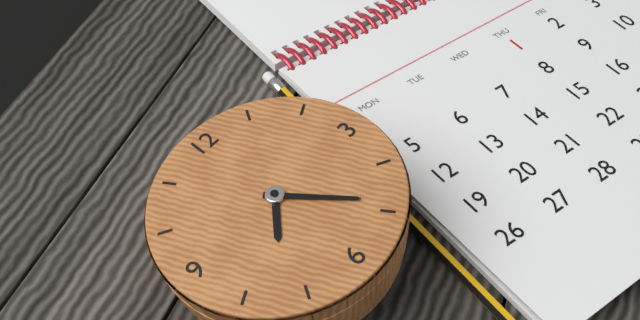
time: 7:24
